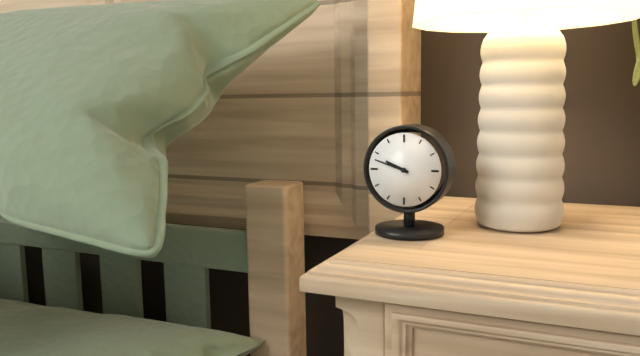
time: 9:48
